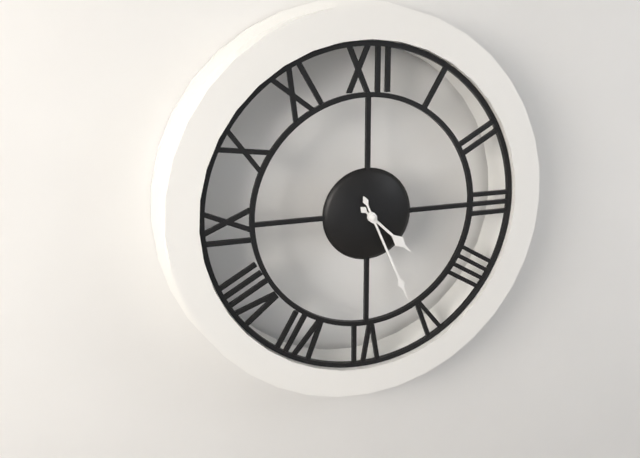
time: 4:26
